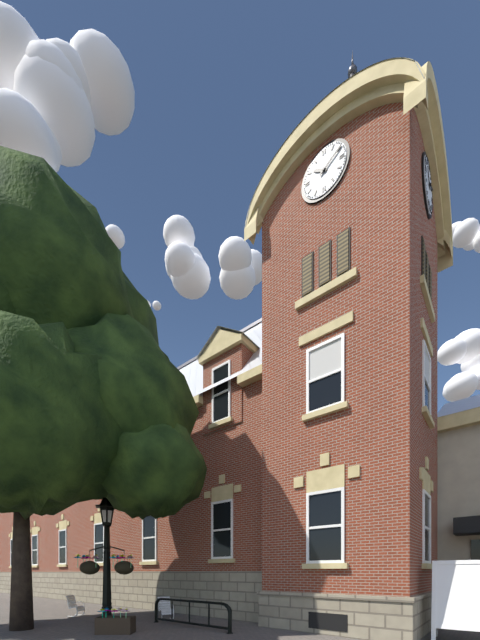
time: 10:10
